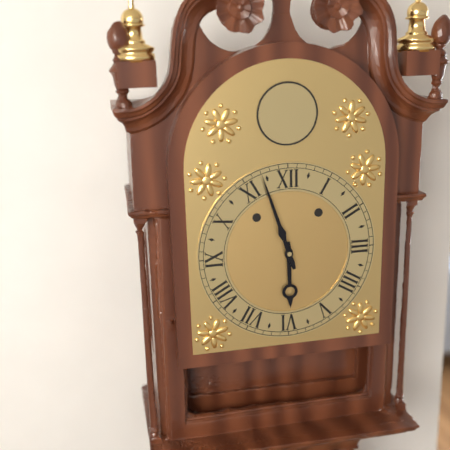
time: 5:57
